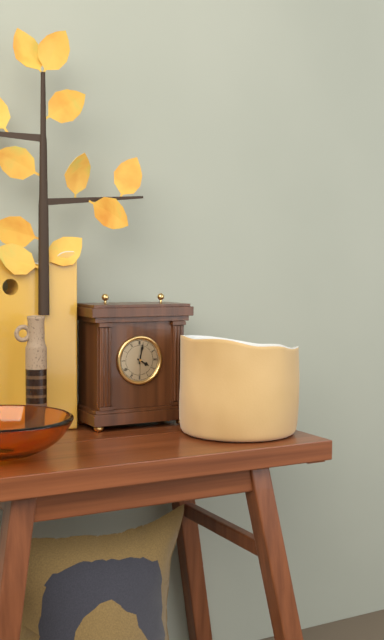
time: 4:02
